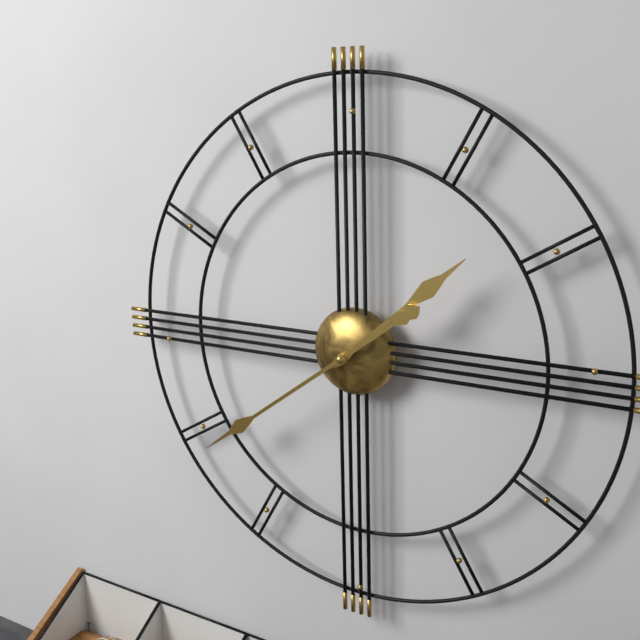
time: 1:39
